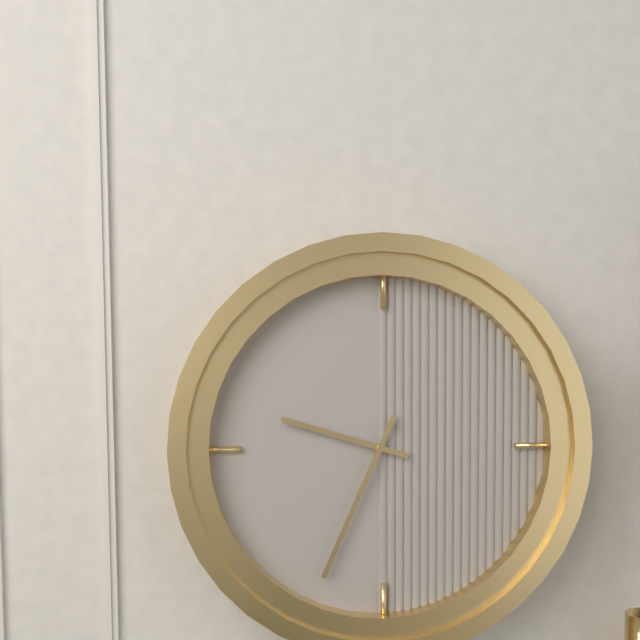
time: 9:34
